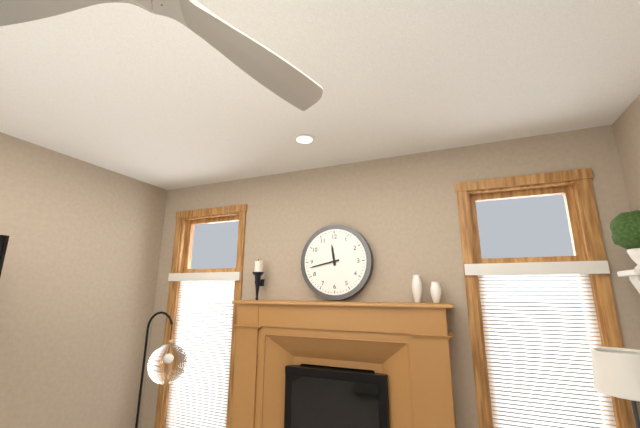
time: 11:43
